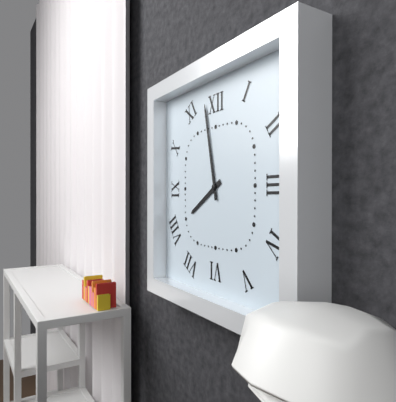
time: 7:58
